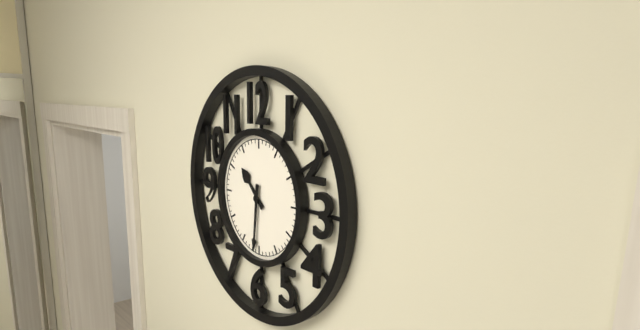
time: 10:31
